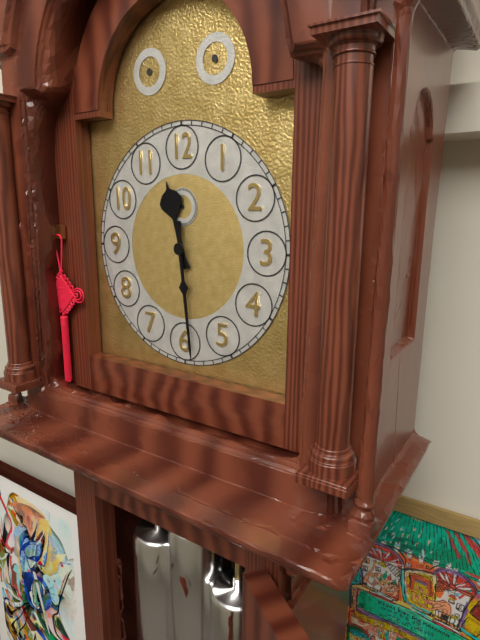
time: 11:29
